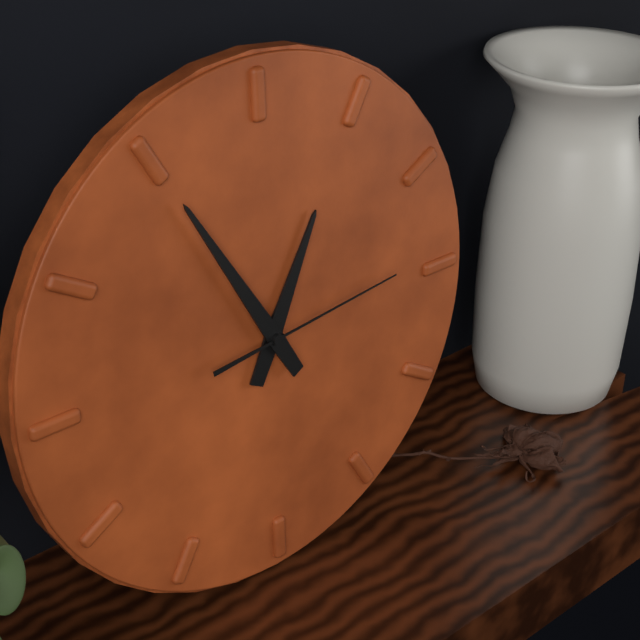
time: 12:55:14
